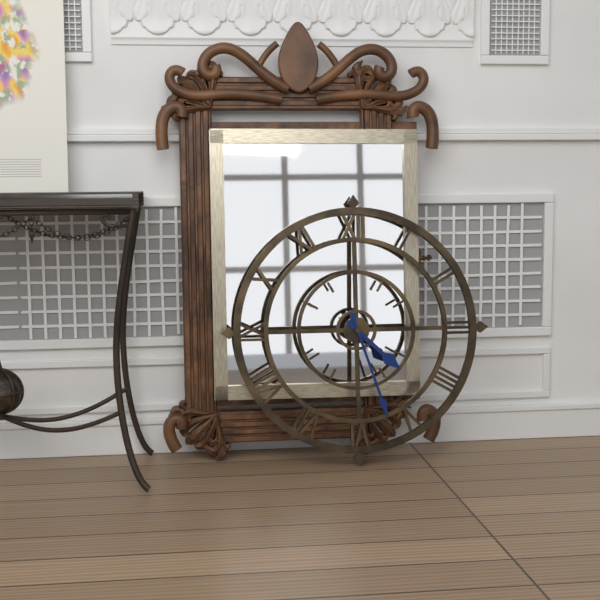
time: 4:27
